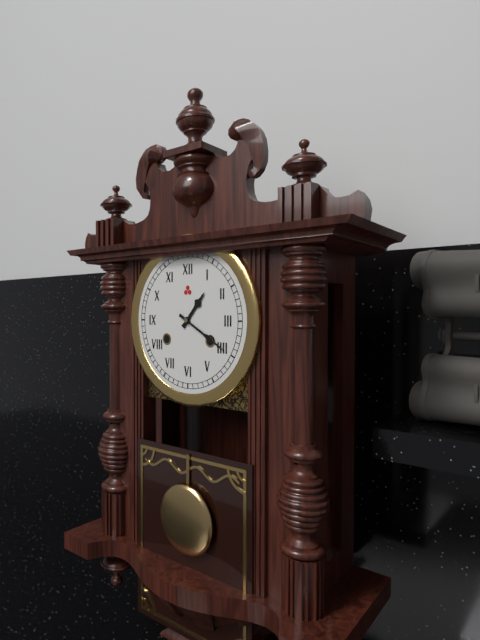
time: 1:20
